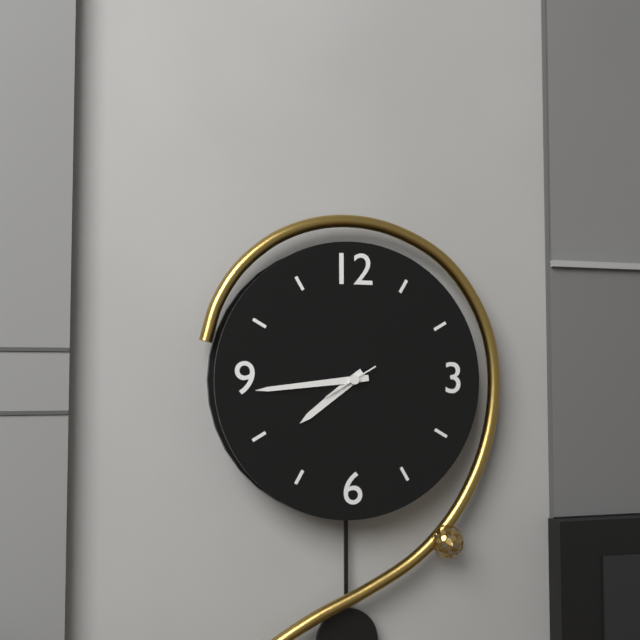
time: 7:44
